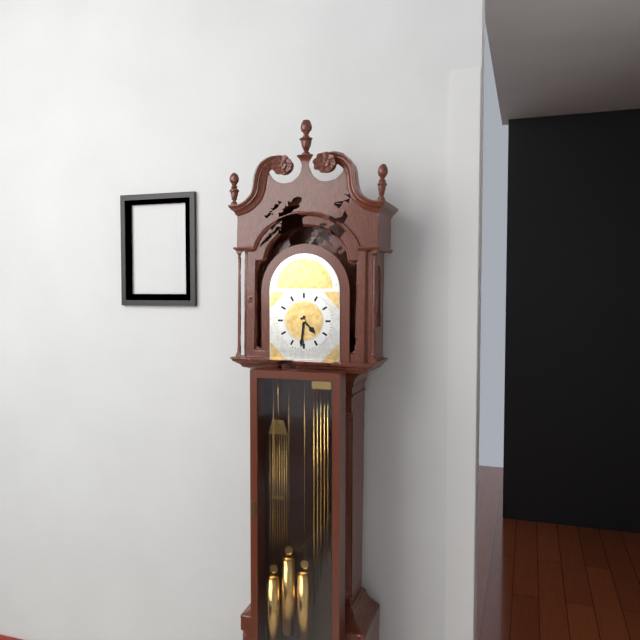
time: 4:31
